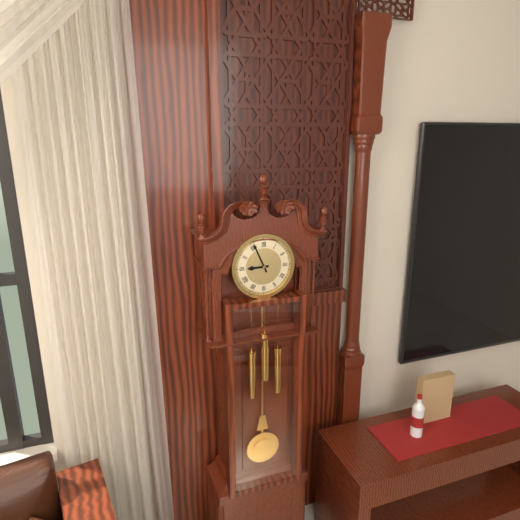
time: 8:56
